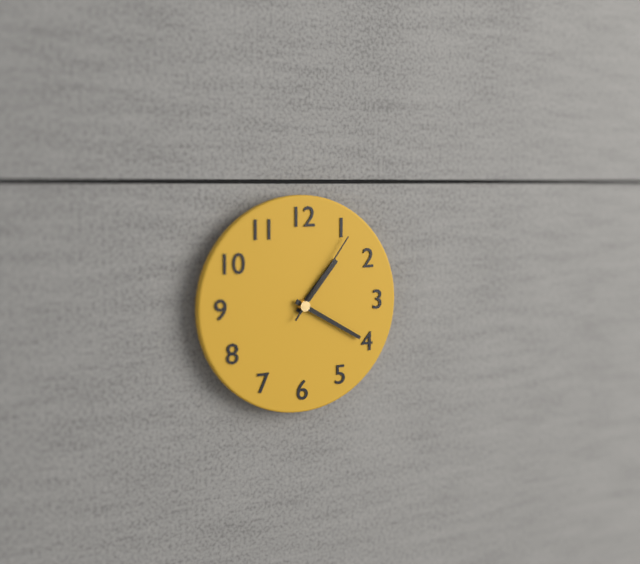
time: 1:20:06
